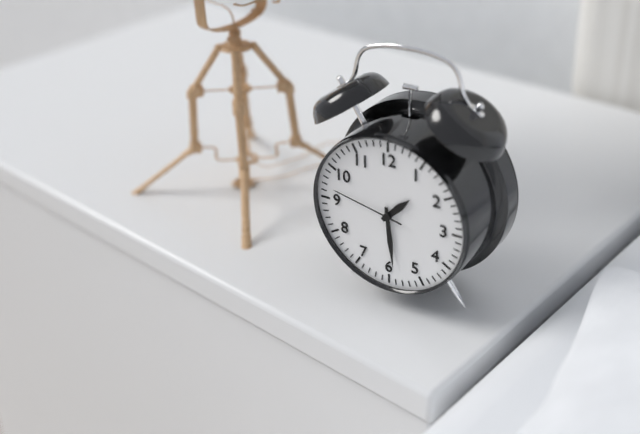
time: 1:29:47
